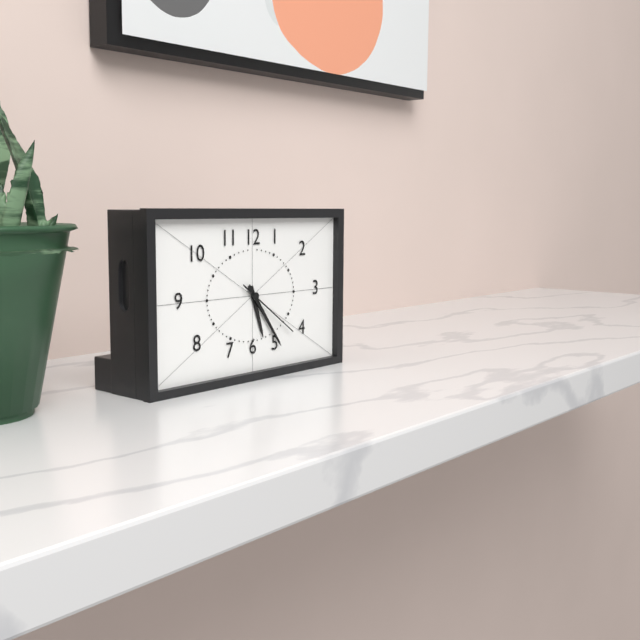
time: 5:24:21
